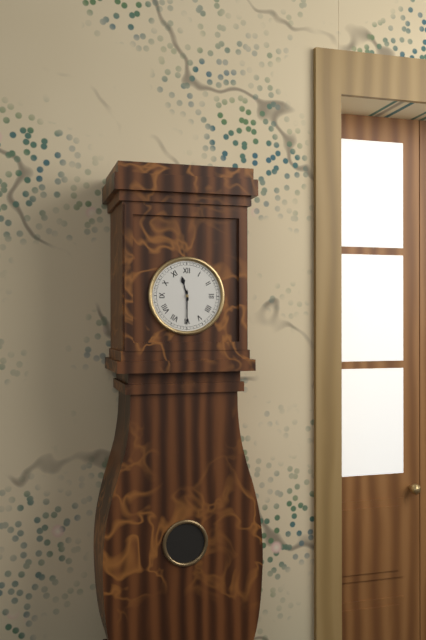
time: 11:30
